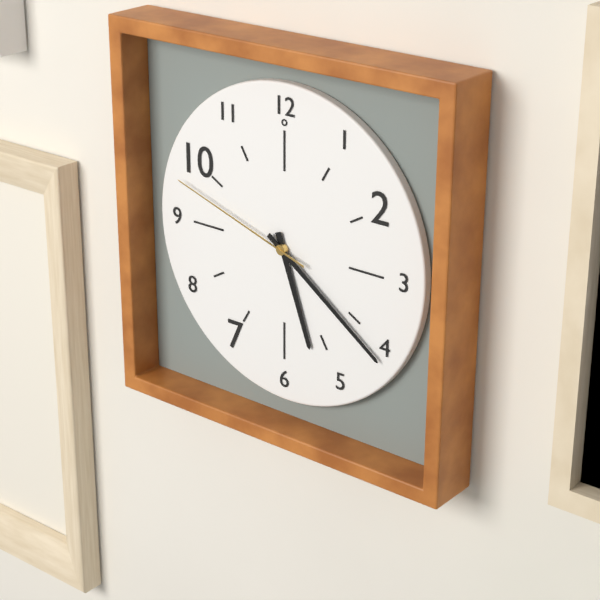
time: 5:21:48
